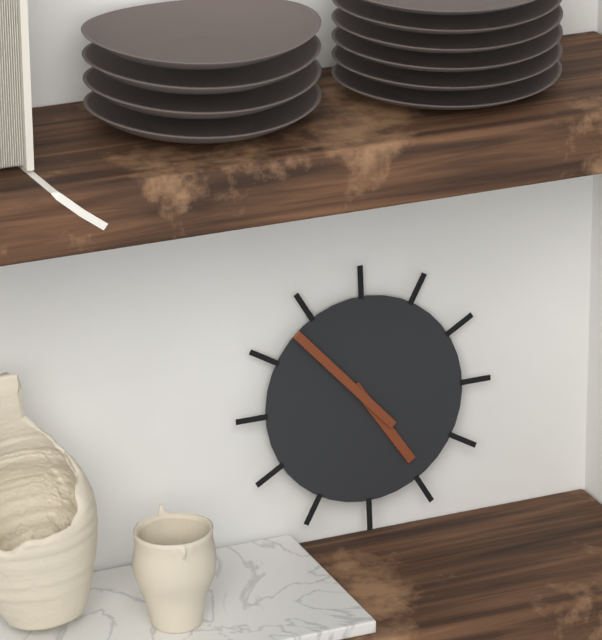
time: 4:53
